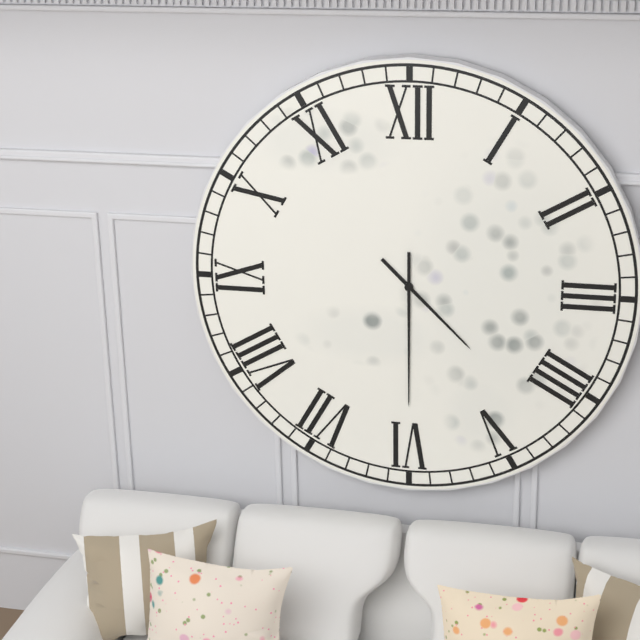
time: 4:30
